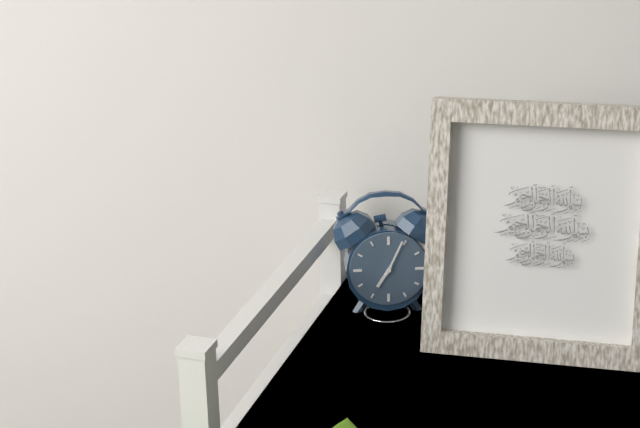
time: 7:04
